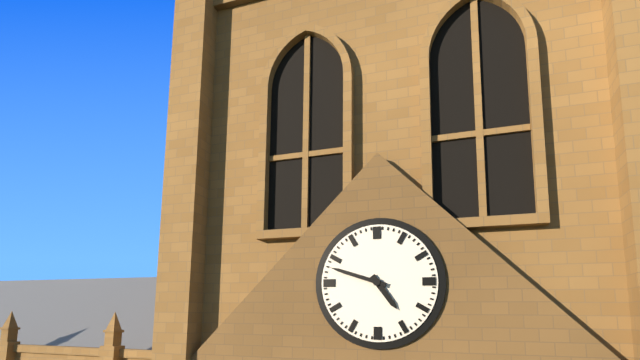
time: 4:48
